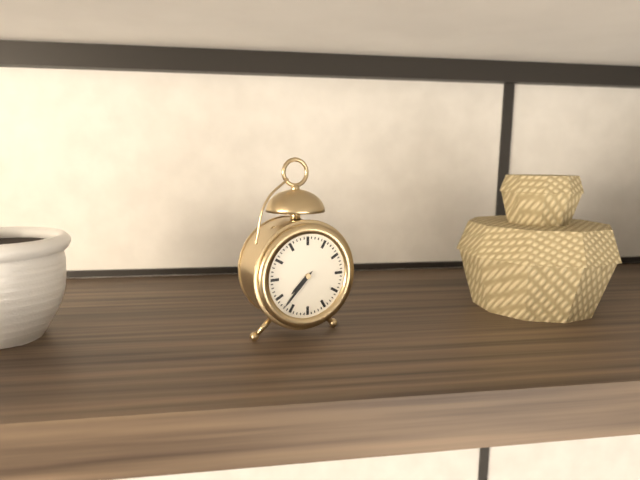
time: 7:37
